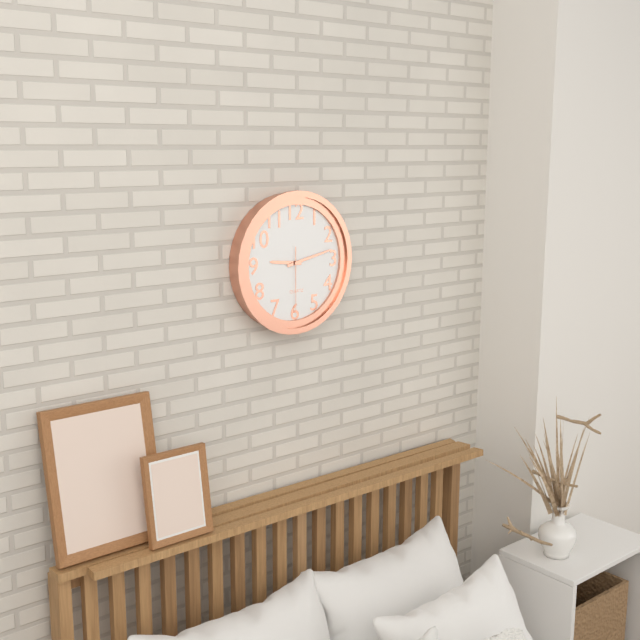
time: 9:13:30
